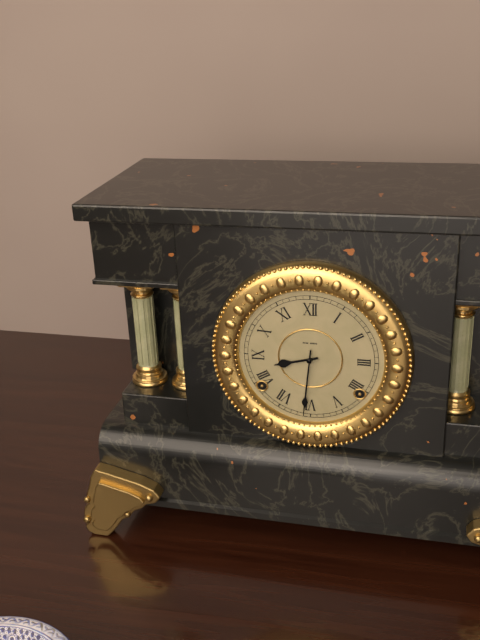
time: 8:31
